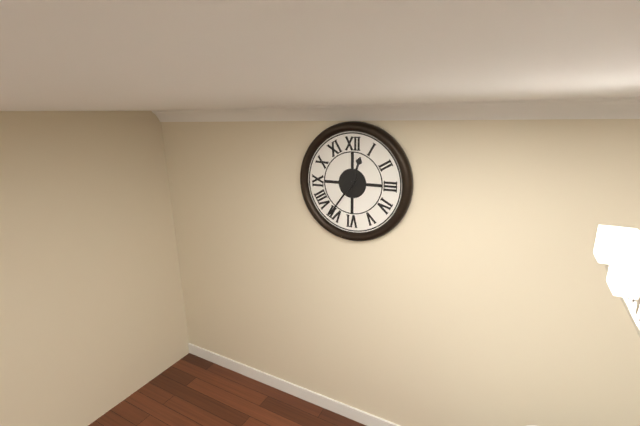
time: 12:36
